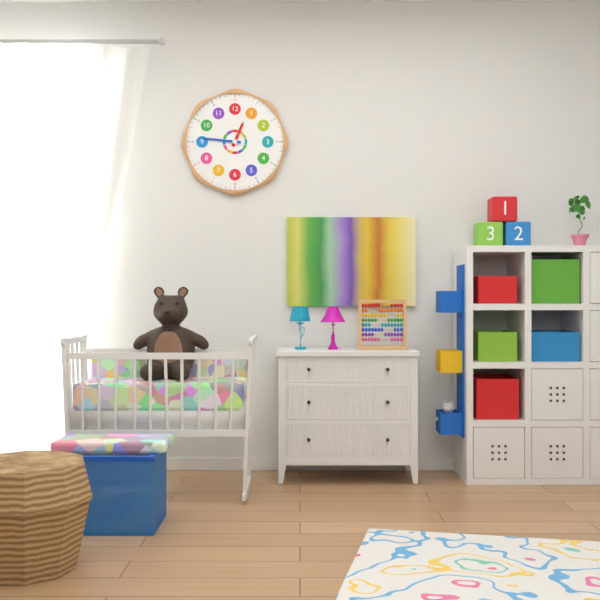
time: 12:46
